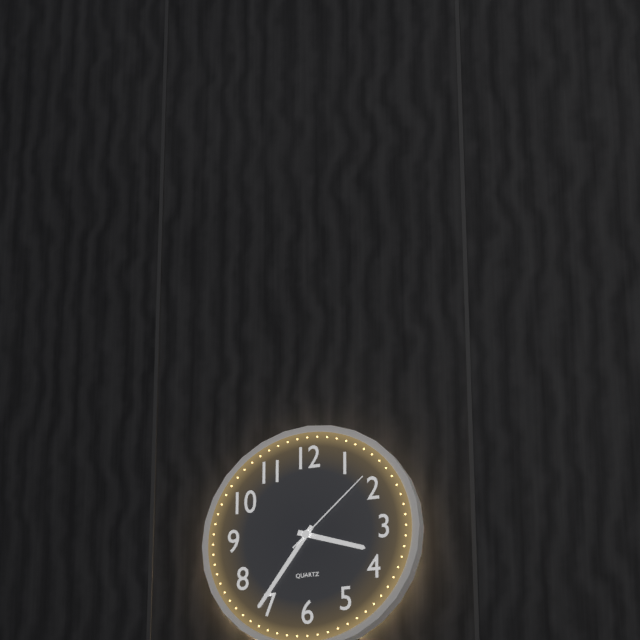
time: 3:36:08
